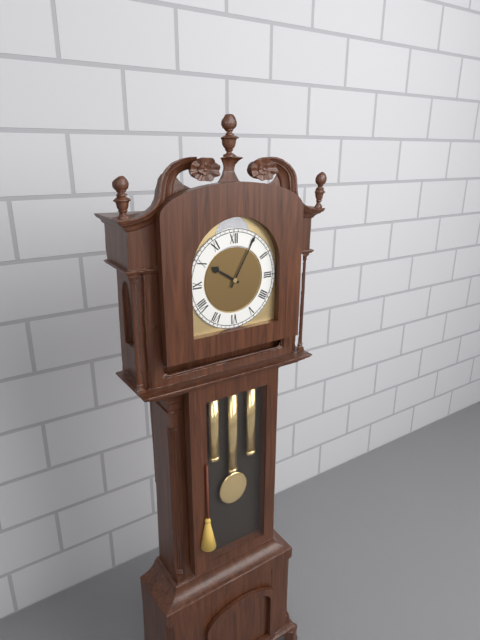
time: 10:05
